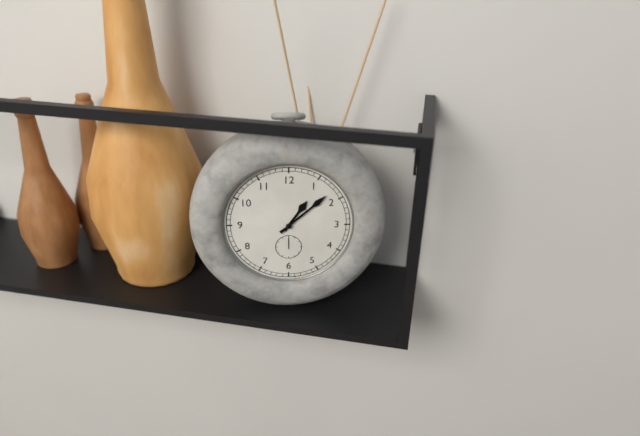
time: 1:08
